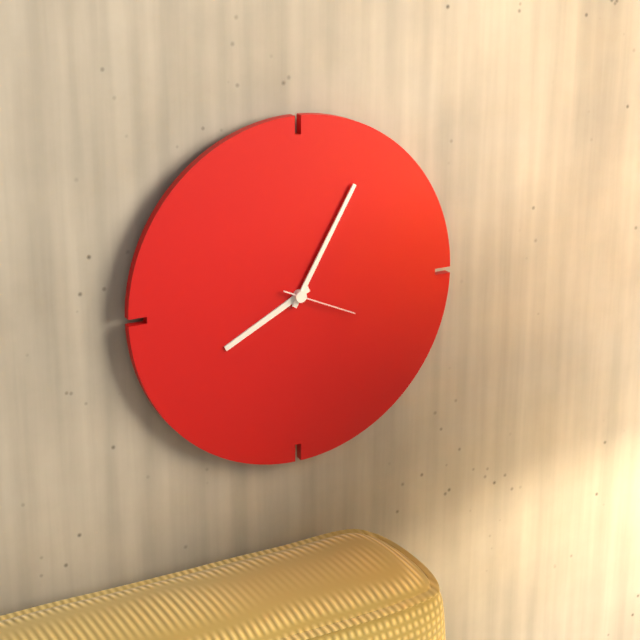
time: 8:05:19
